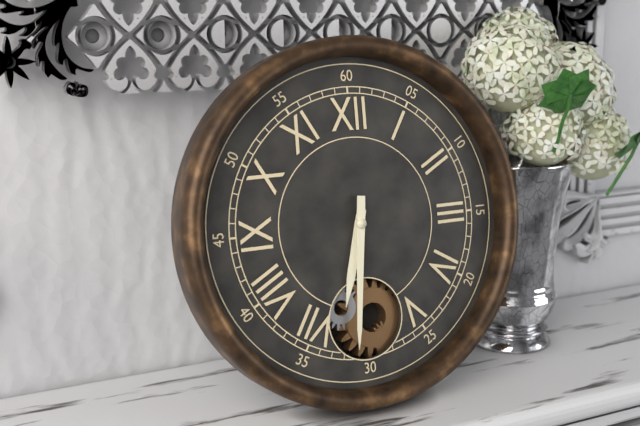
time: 6:31
